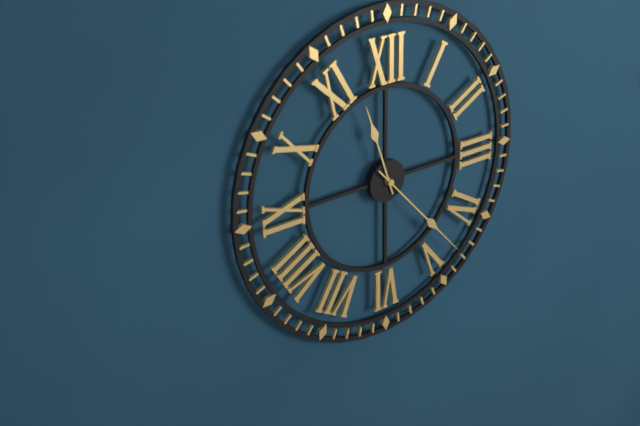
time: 11:23
